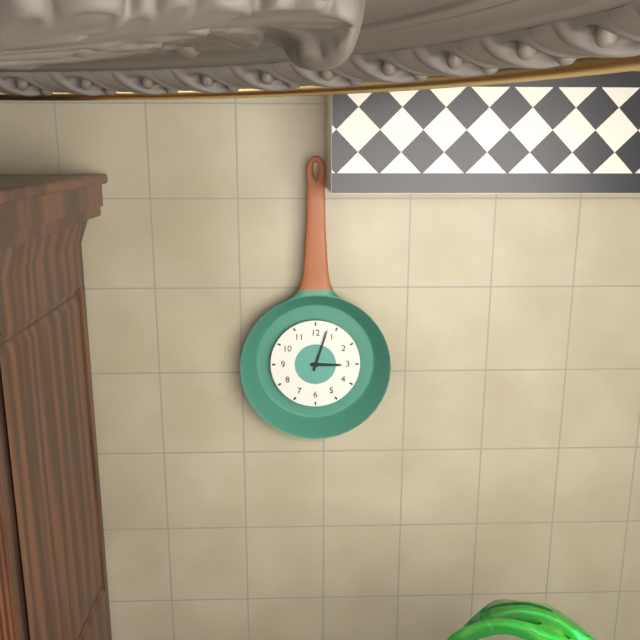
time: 3:03
